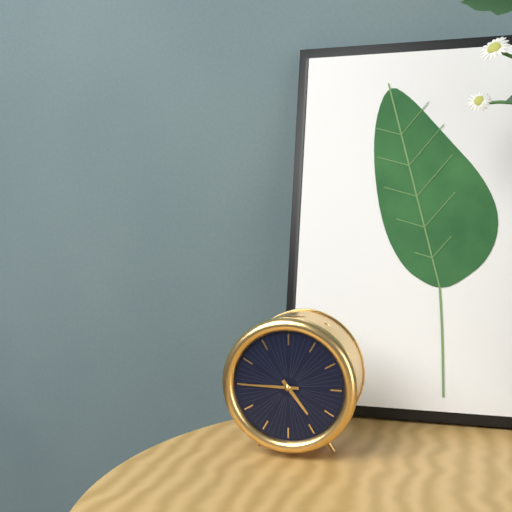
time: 4:45
